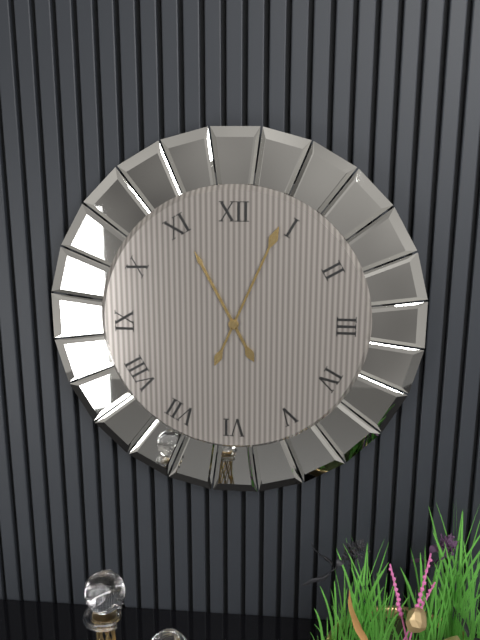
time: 11:04
